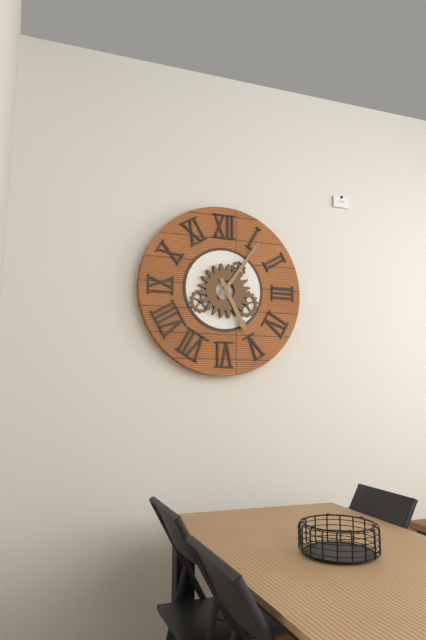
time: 5:06
